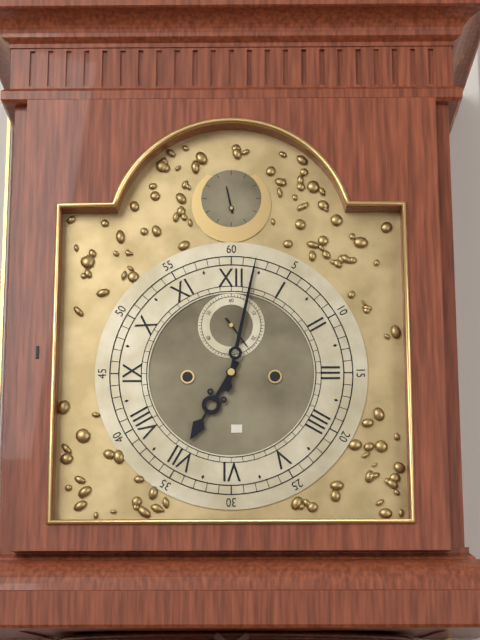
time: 7:02
